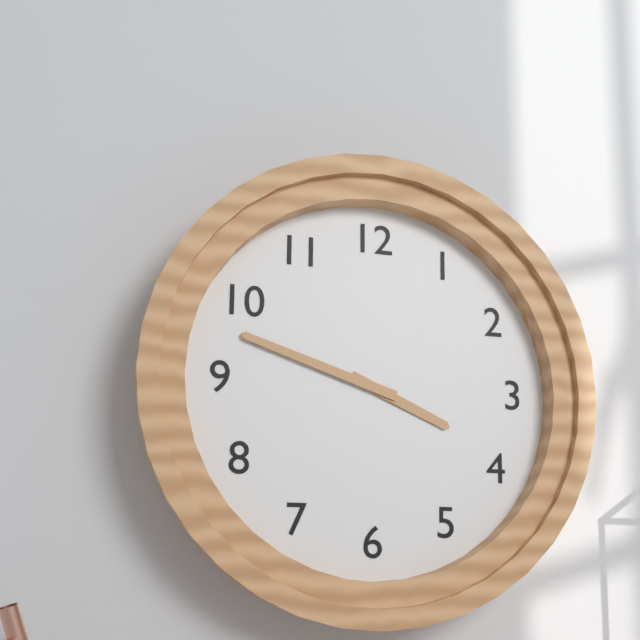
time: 3:48
